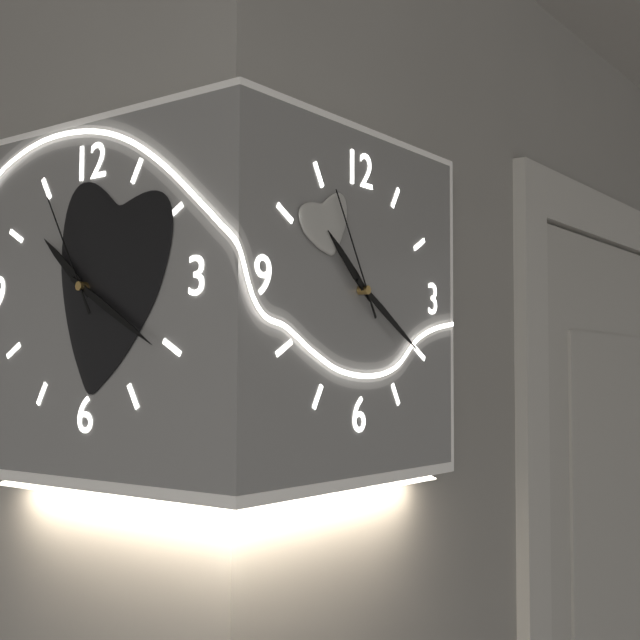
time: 10:20:55
